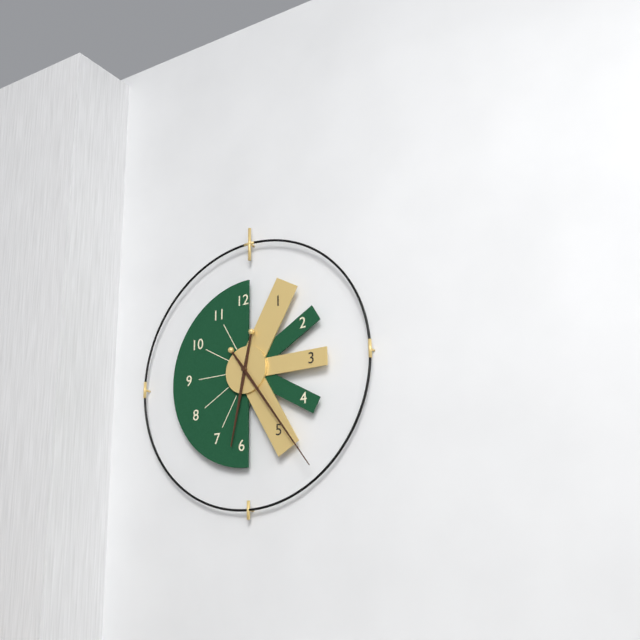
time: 6:24
